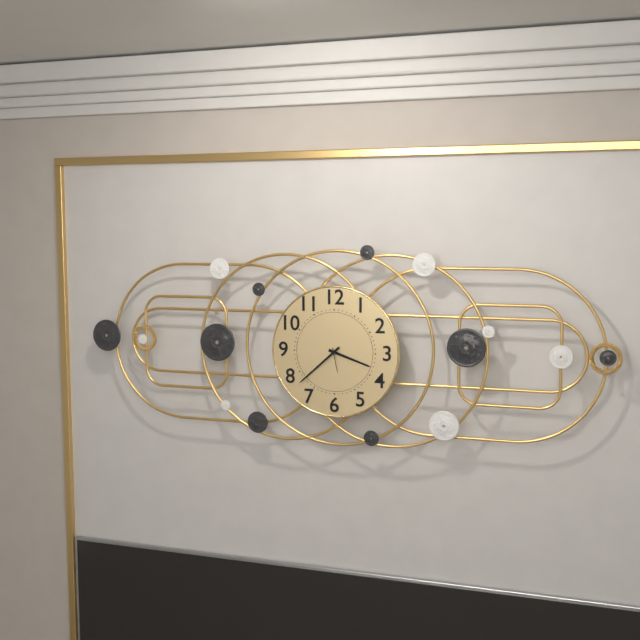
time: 3:38
